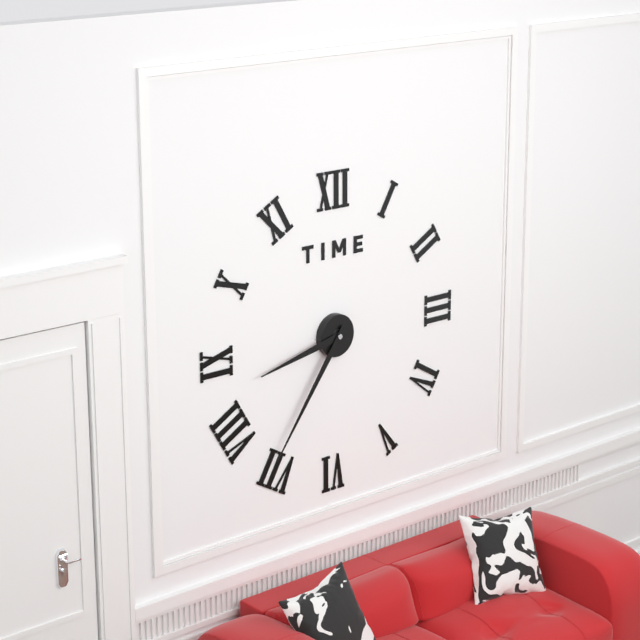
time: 8:36
